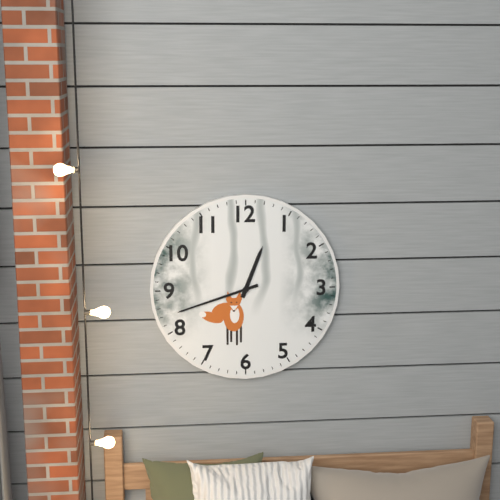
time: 12:42
